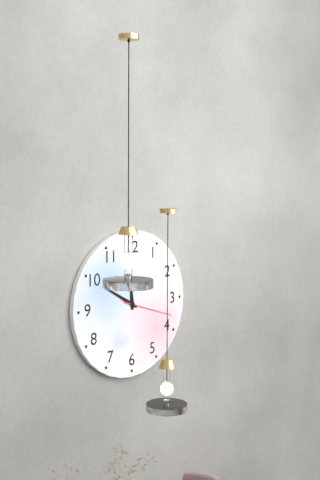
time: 11:50:18
